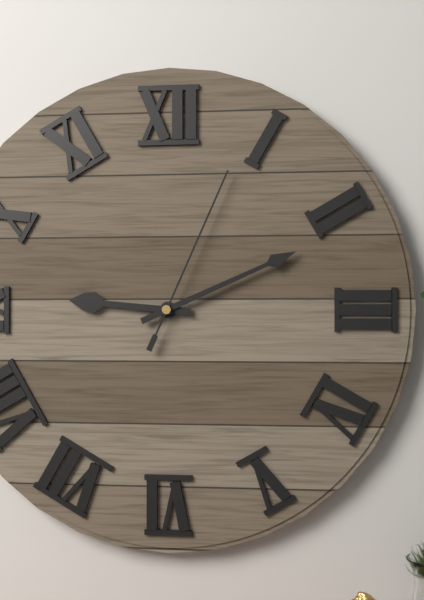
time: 9:11:04
